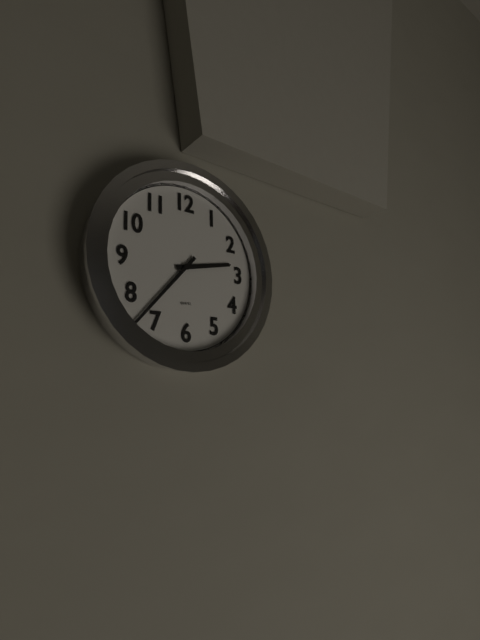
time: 2:37
